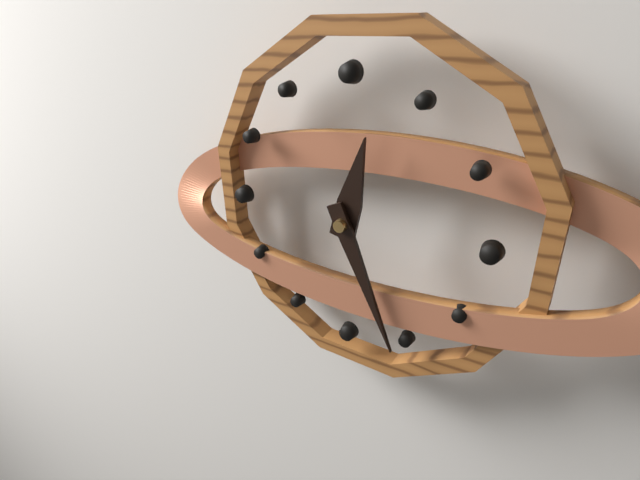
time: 12:26
